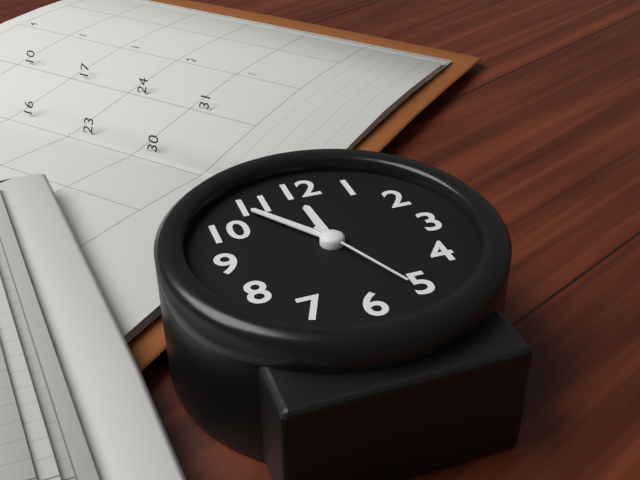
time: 11:54:26
